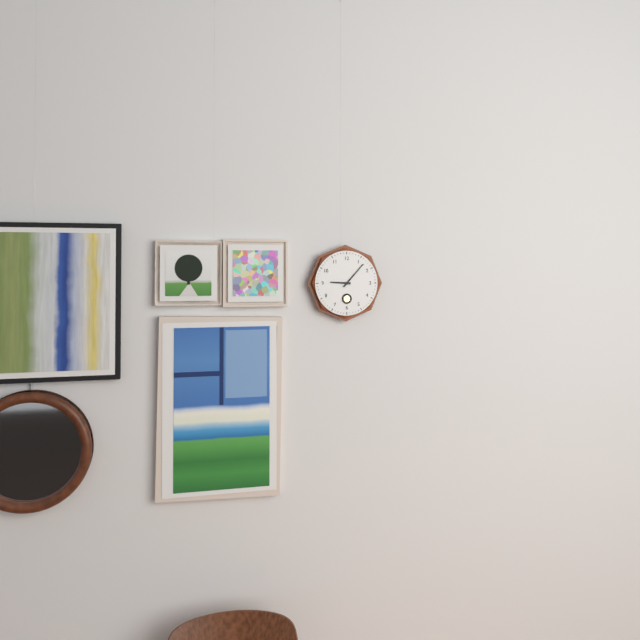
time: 9:07
